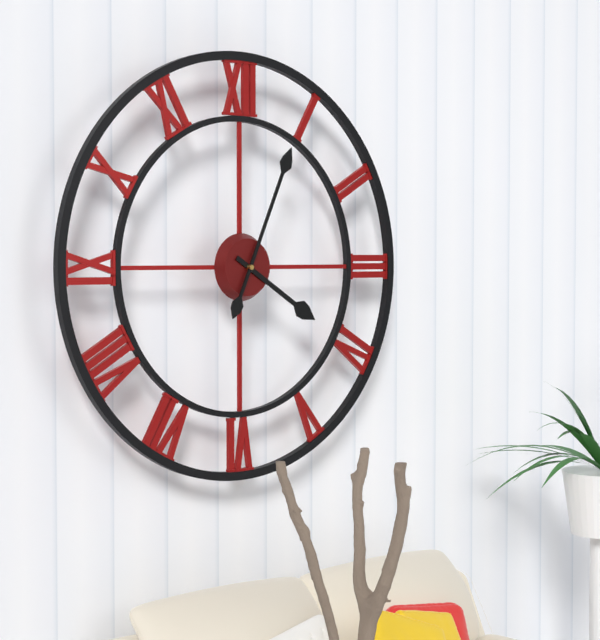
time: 4:04
